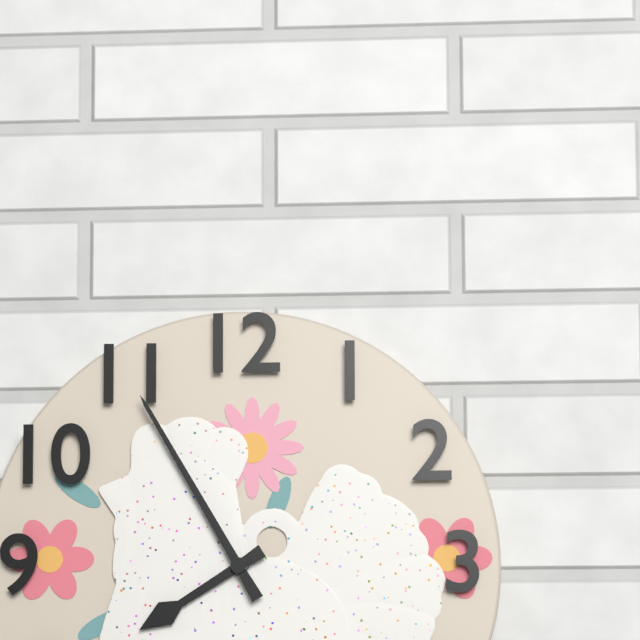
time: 7:55
